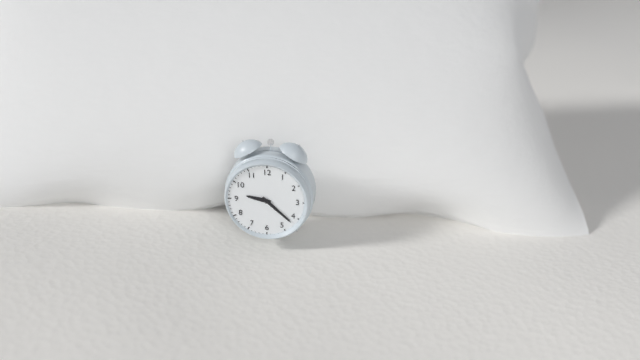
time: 9:22
